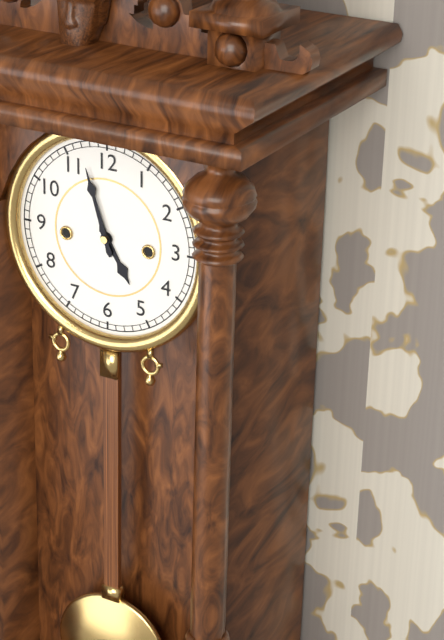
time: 4:57
